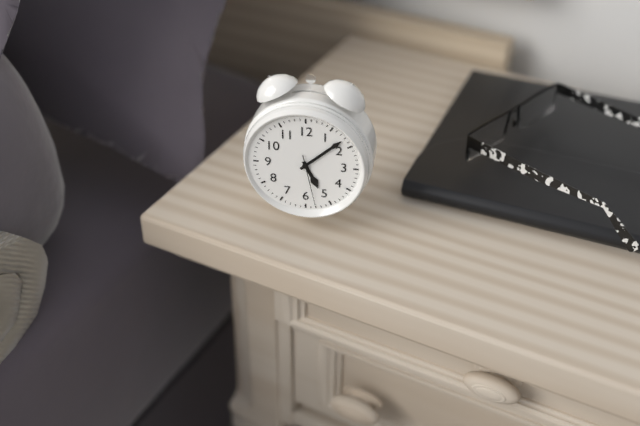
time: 5:08:28
